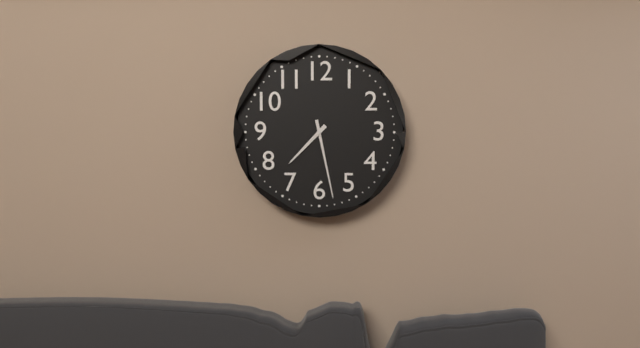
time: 7:28
